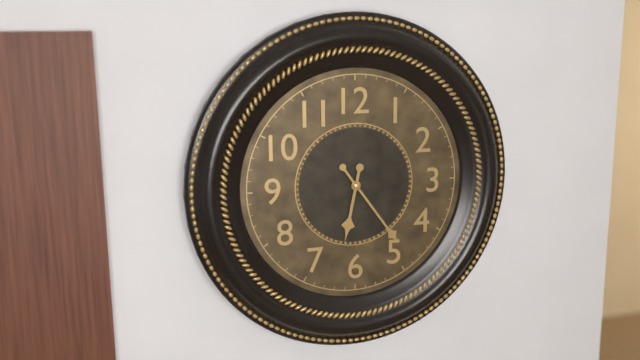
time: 6:24
